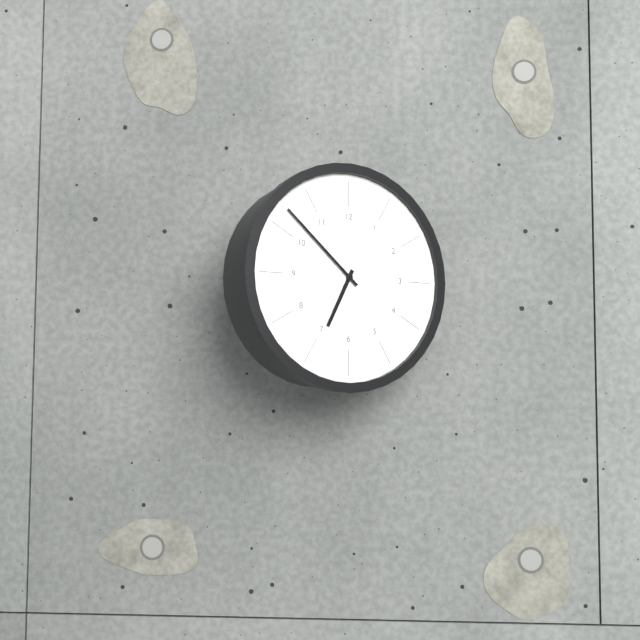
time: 6:52
